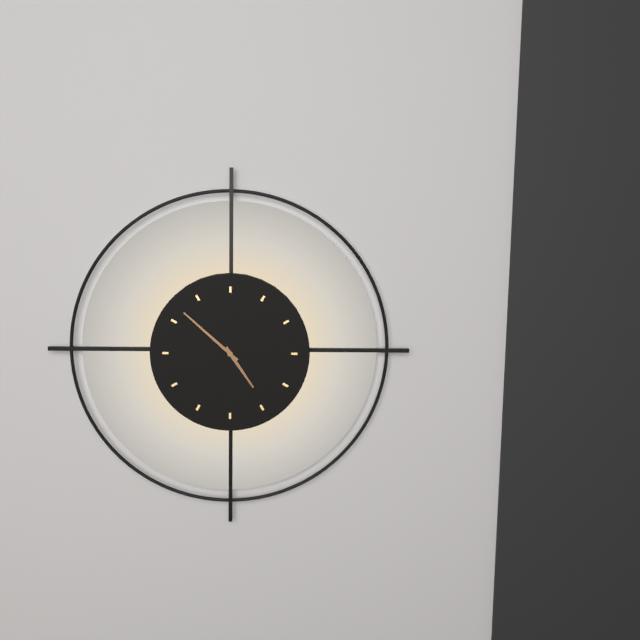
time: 4:52
